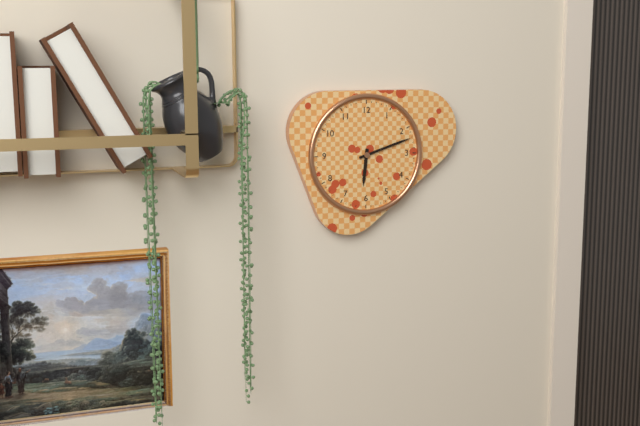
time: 6:12
